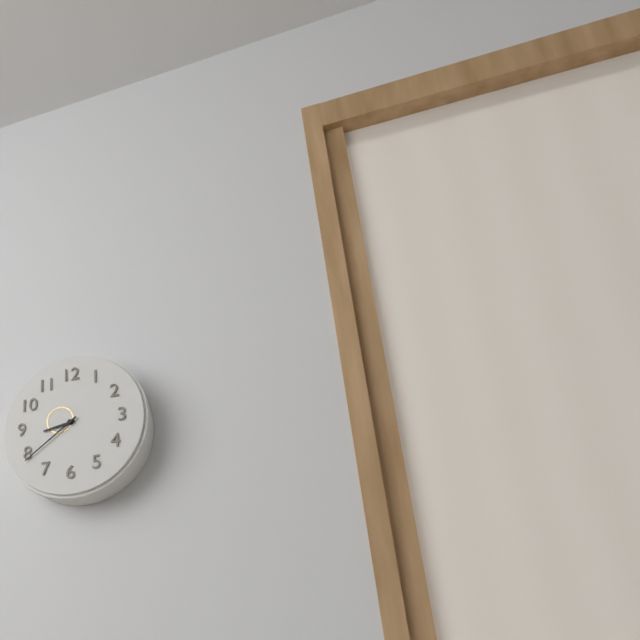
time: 8:39
